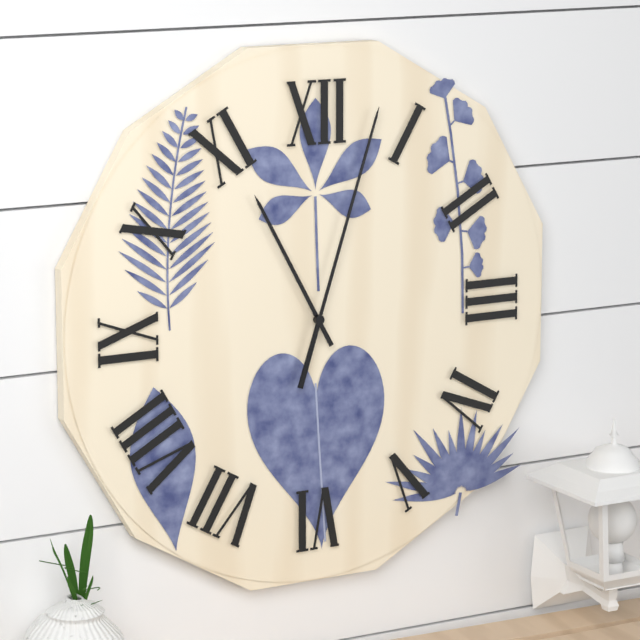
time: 11:03
